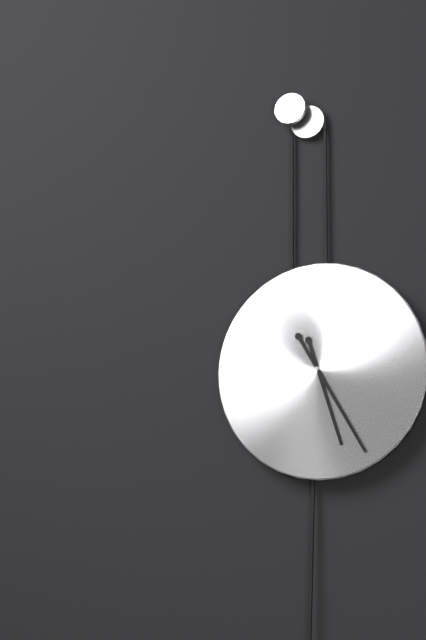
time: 5:25
